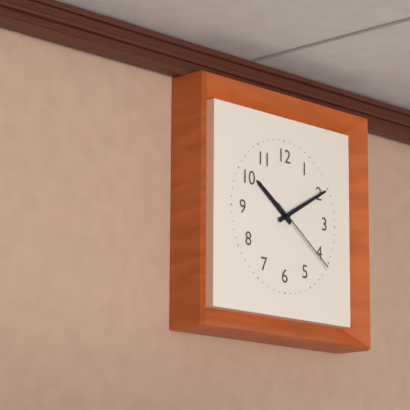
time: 10:10:21
